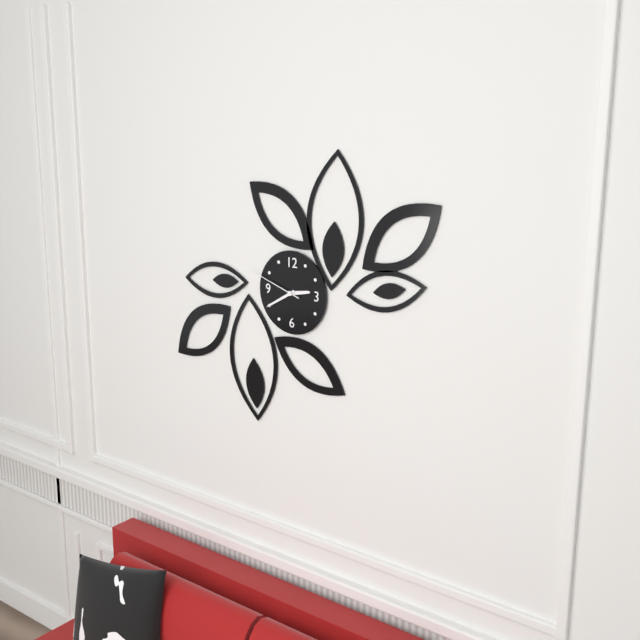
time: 2:40:48
